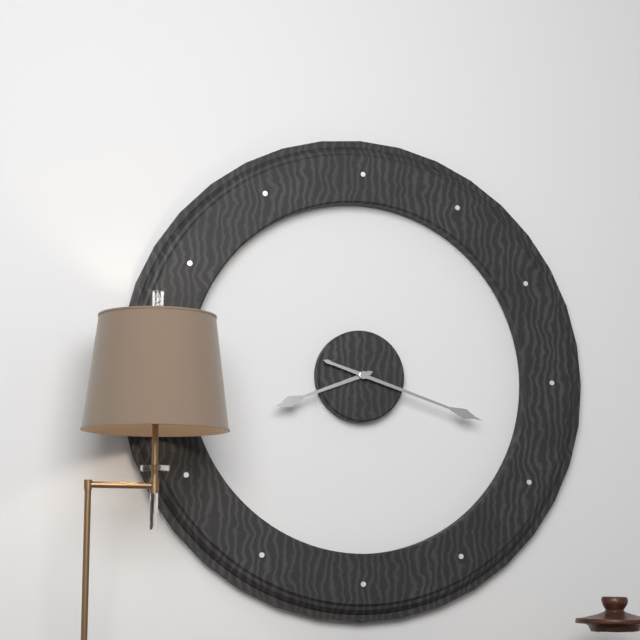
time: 8:18
